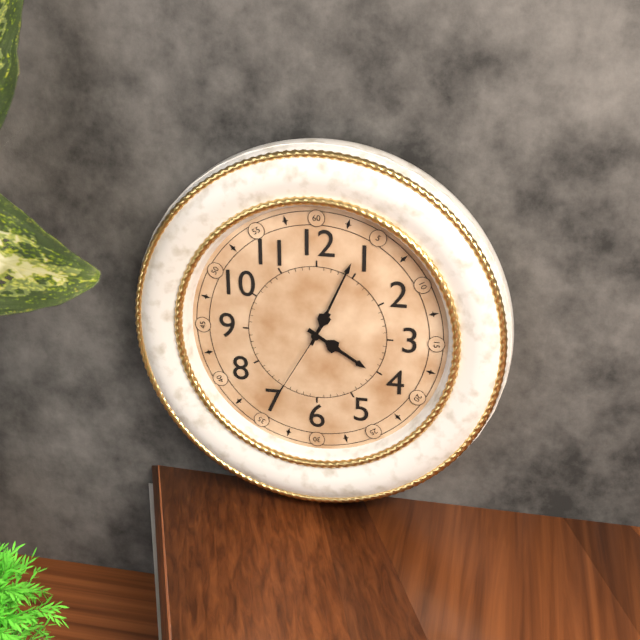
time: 4:04:35
